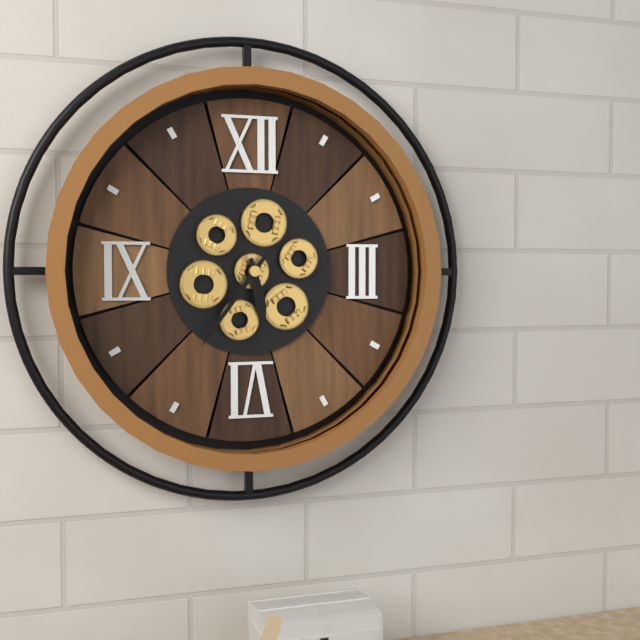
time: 5:36
